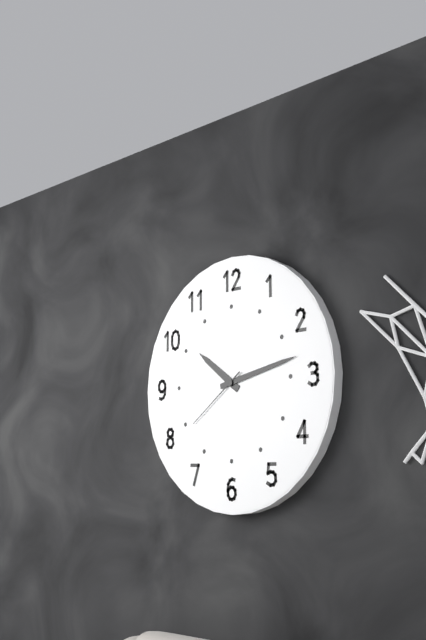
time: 10:13:39
